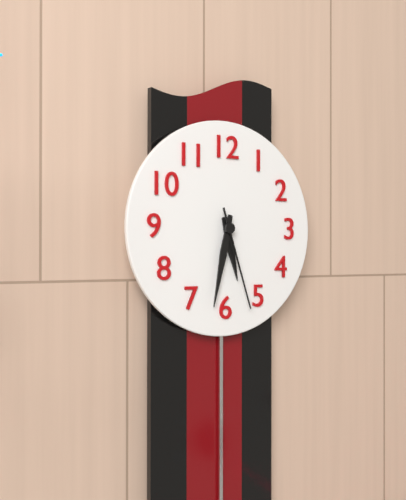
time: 5:32:27
